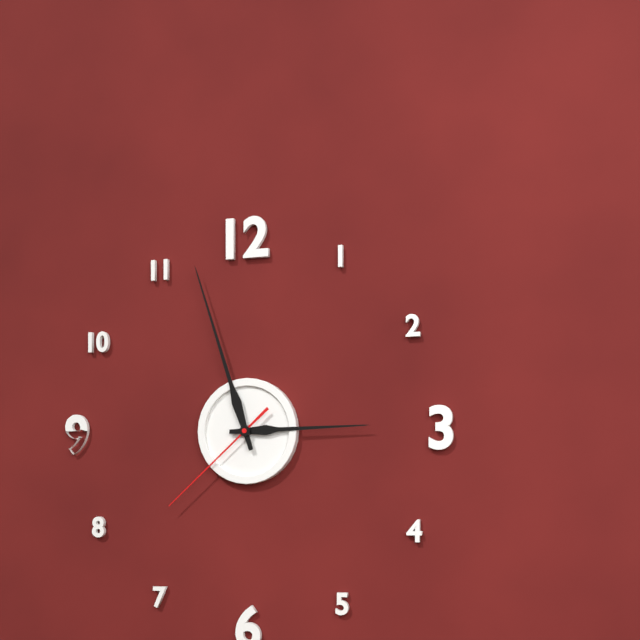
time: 2:57:38
